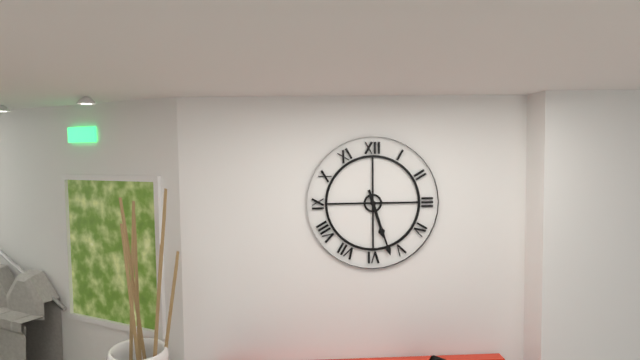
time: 5:27
